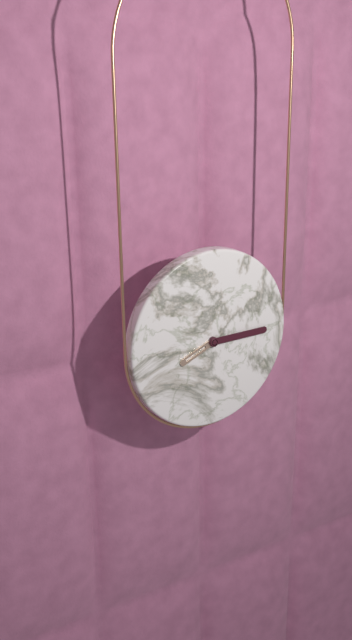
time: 8:15
